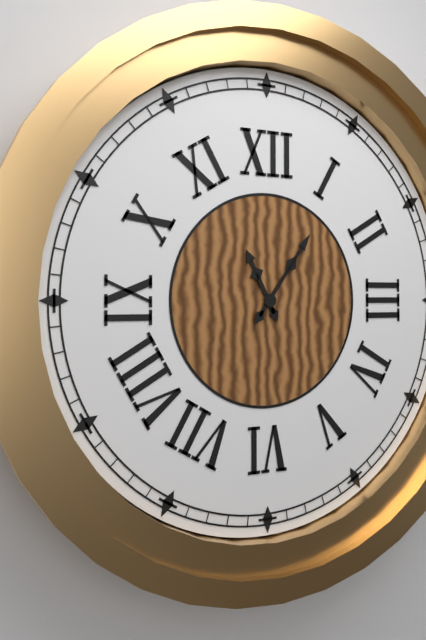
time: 11:06
